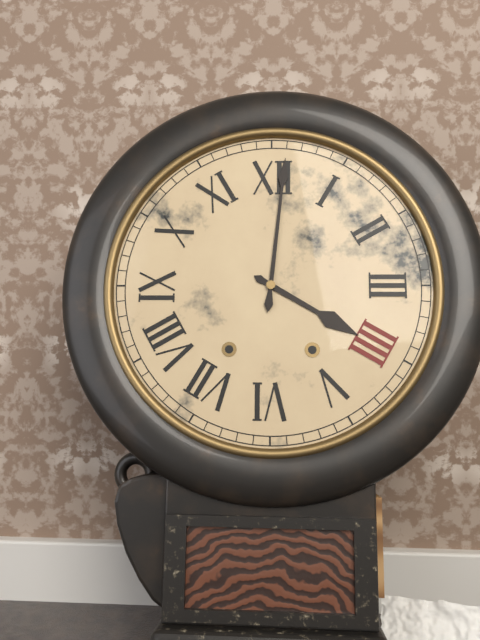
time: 4:01
